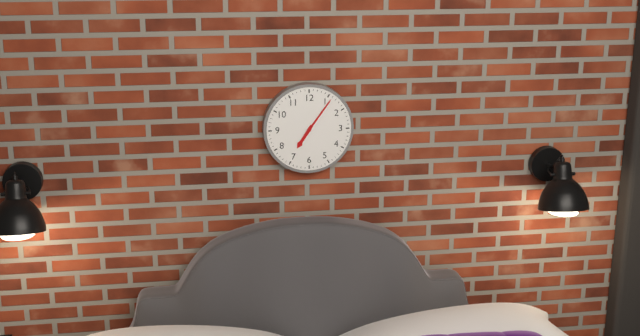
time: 7:06
